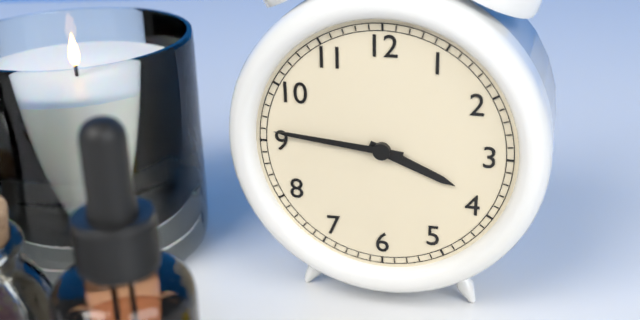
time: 3:46
